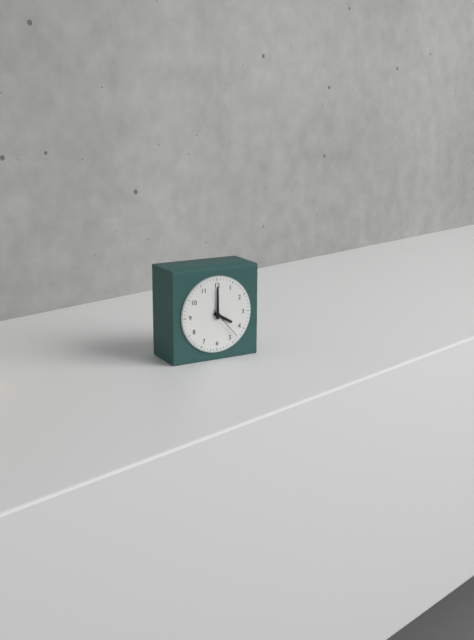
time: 4:00
